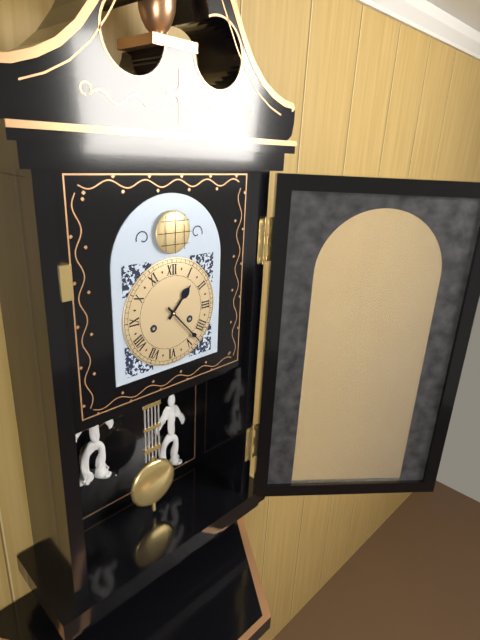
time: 1:23
